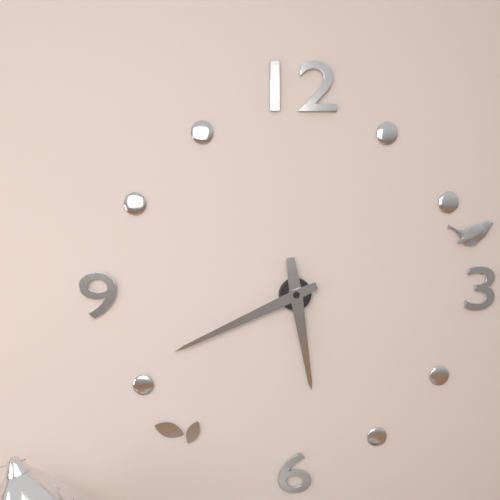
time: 5:41
